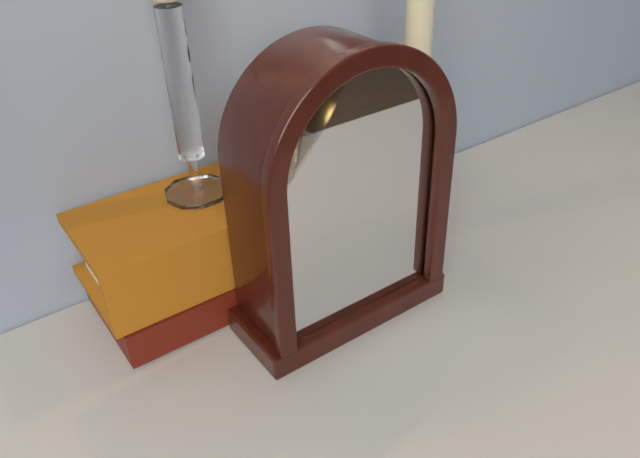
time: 9:42
